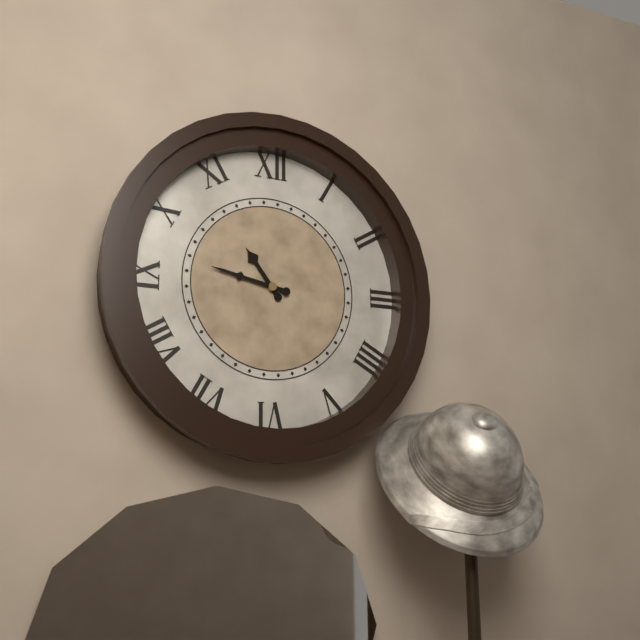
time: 10:47
